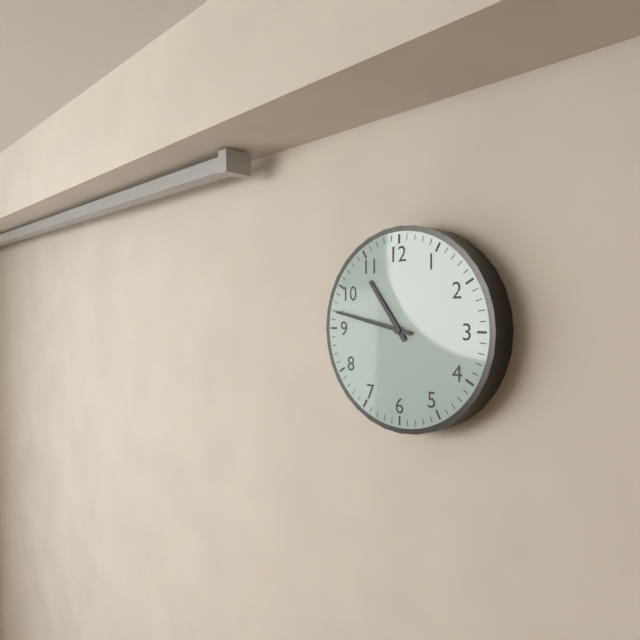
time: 10:47
